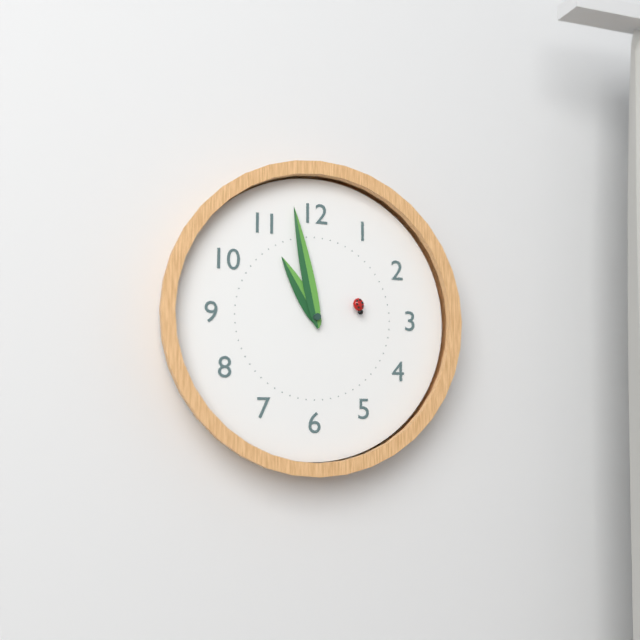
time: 10:58:12
